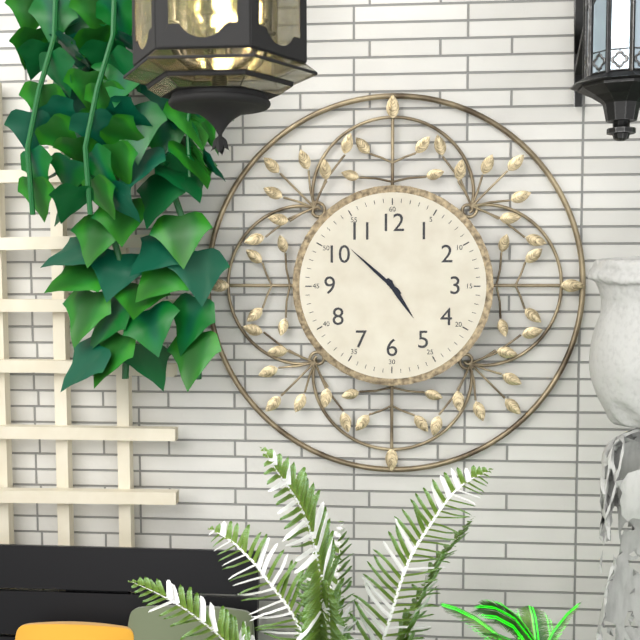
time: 4:52
